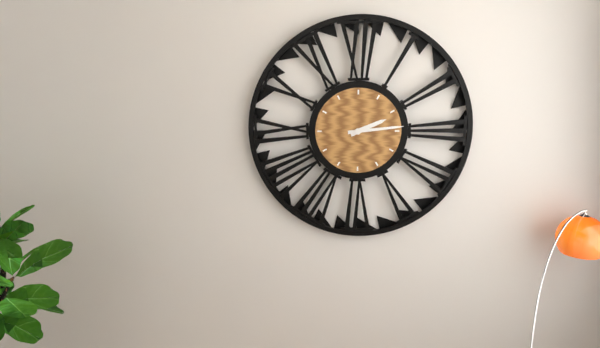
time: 2:14
